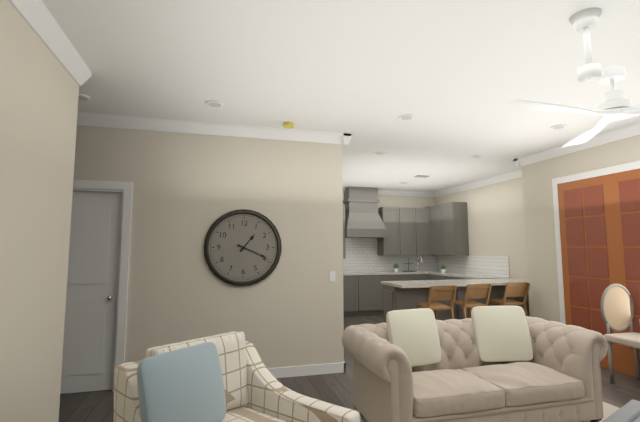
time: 1:19
